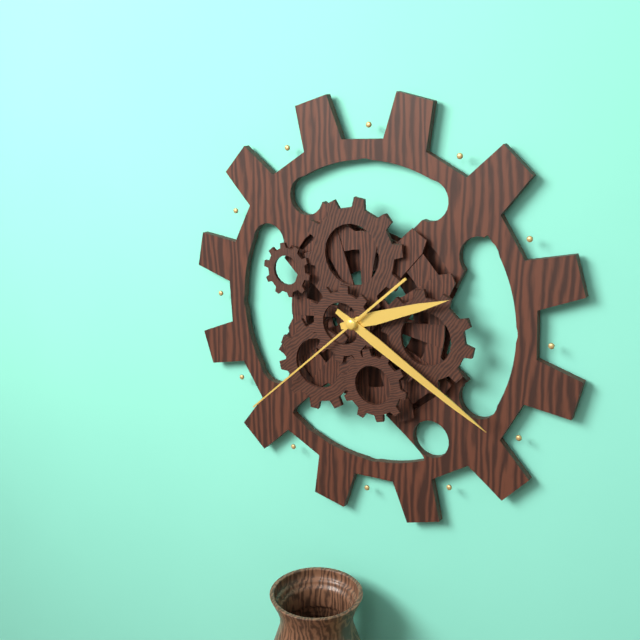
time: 2:20:38
